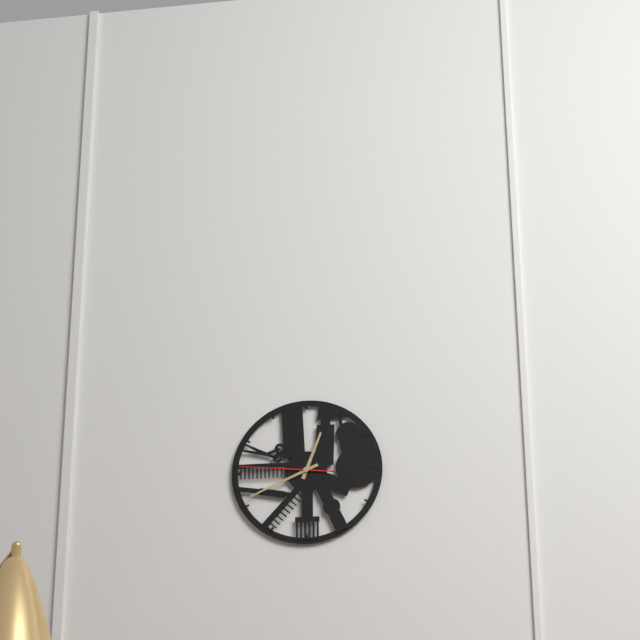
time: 12:41:46
